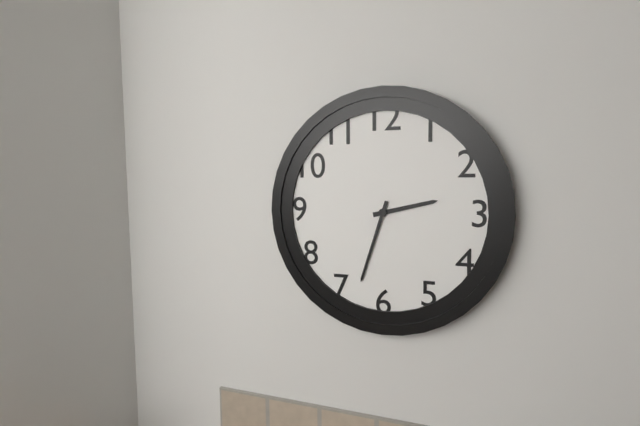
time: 2:33
